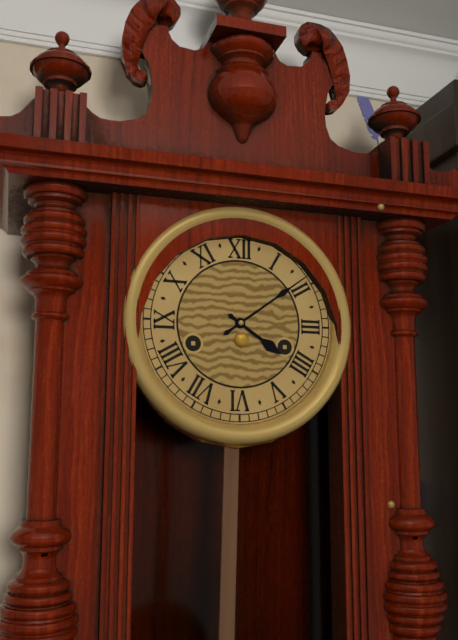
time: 4:09
